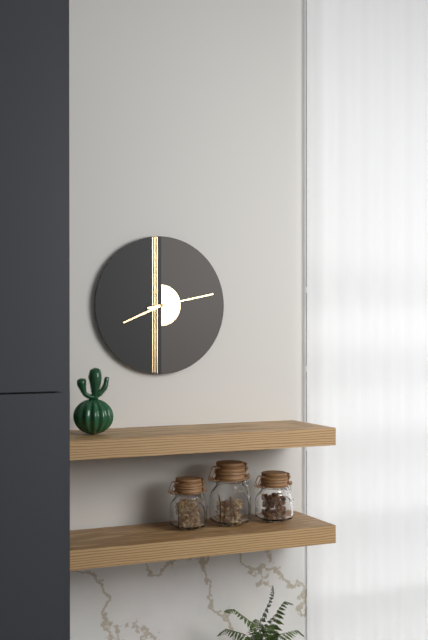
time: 8:13
